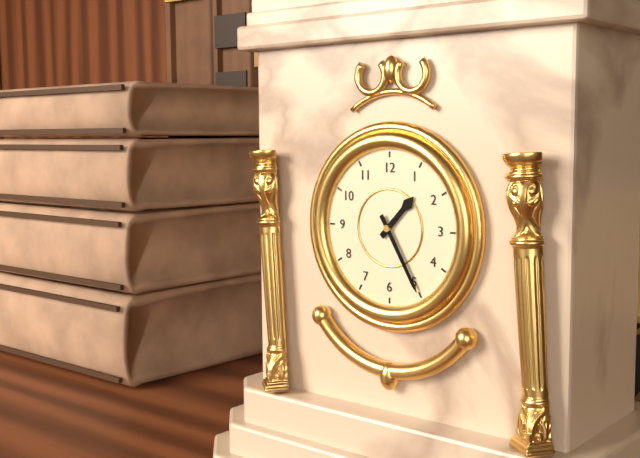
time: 1:25
